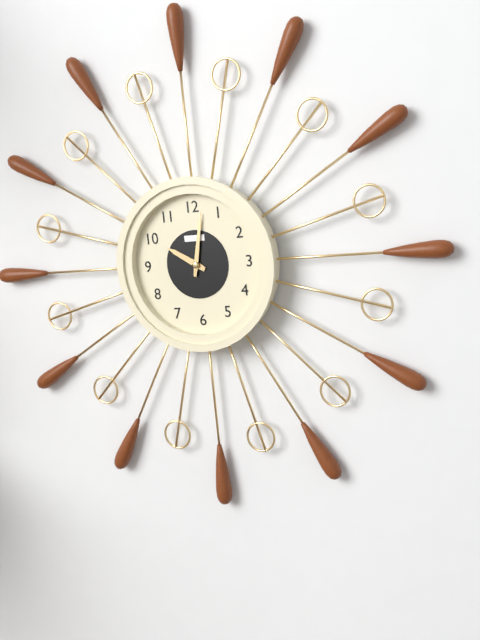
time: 10:02
